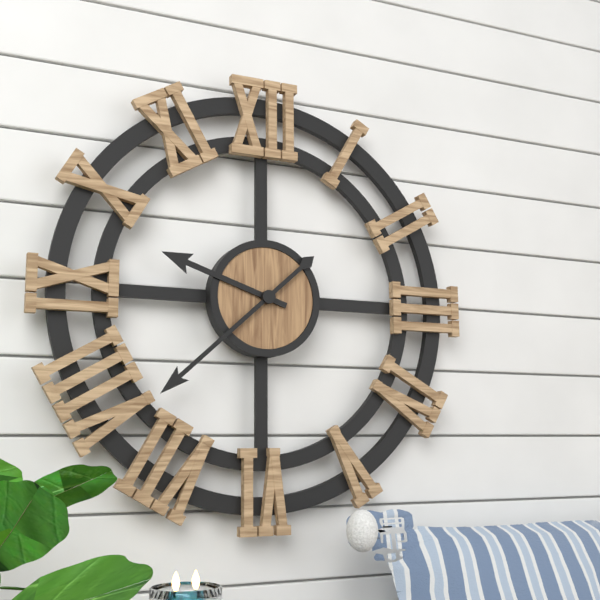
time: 9:38
